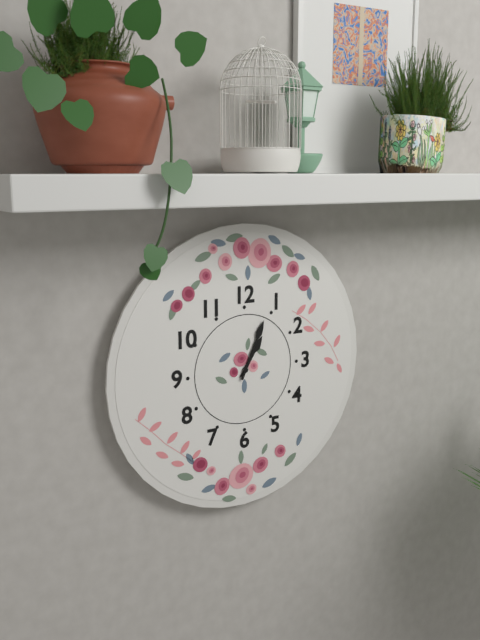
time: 1:04
